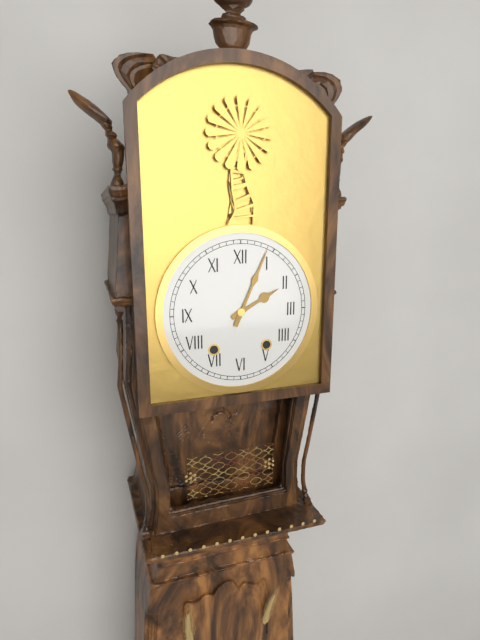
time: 2:04
